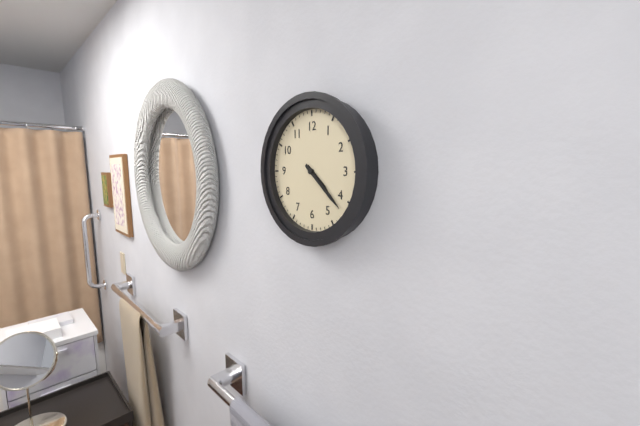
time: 4:22
